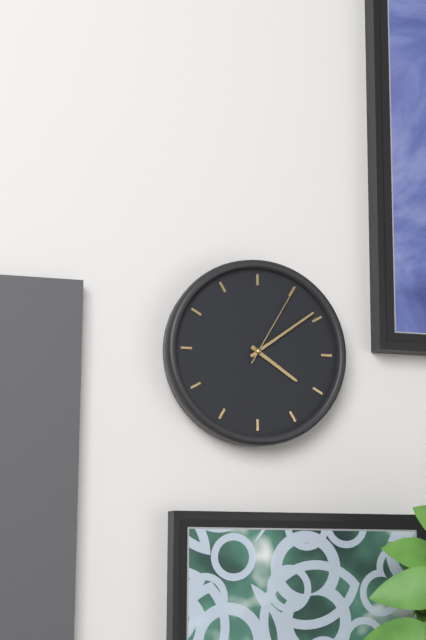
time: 4:09:05
